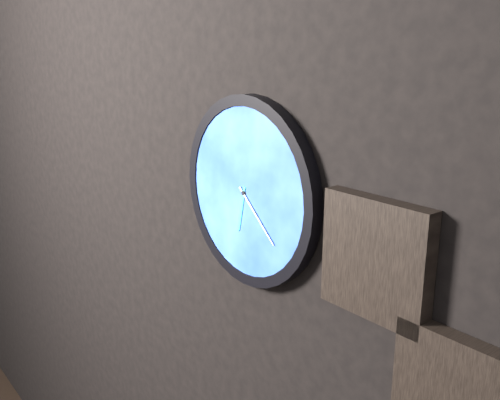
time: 6:22
